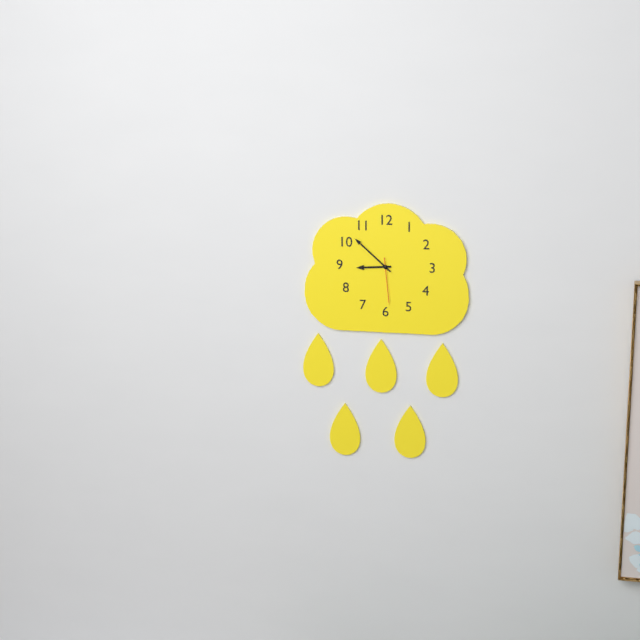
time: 8:52
